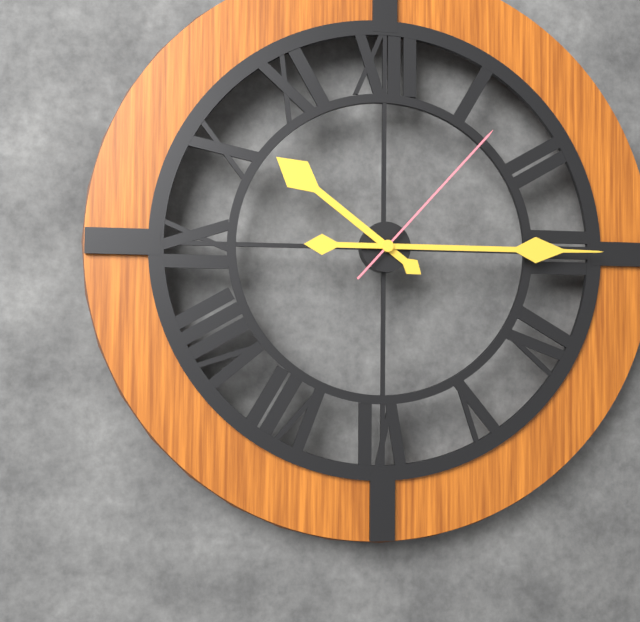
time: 10:15:07
